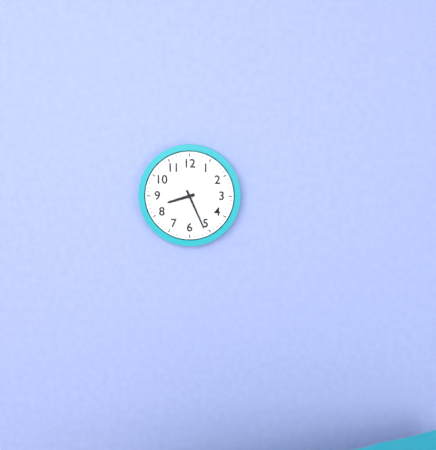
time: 8:26
